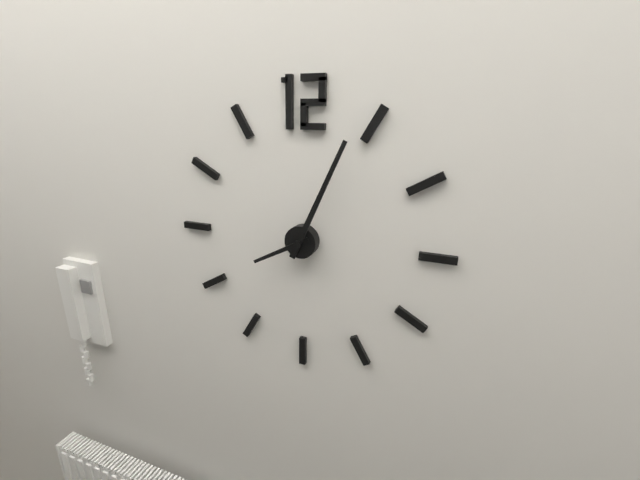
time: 8:04
